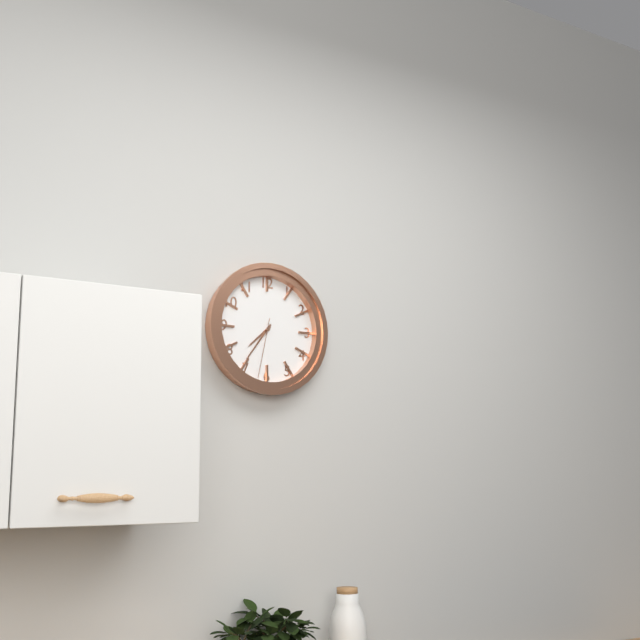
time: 7:36:32
